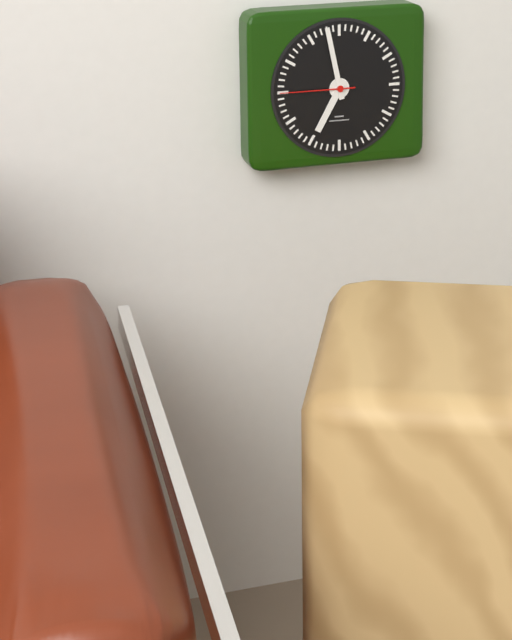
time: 6:58:45
